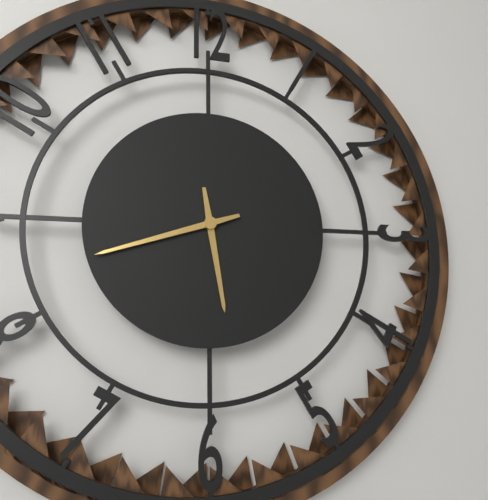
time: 5:42
